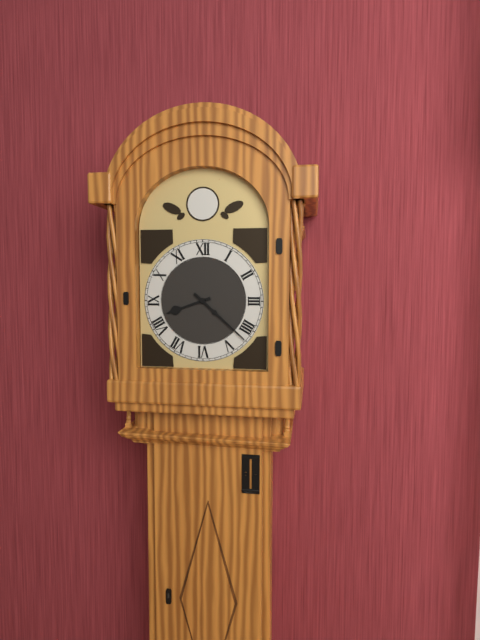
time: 8:22
